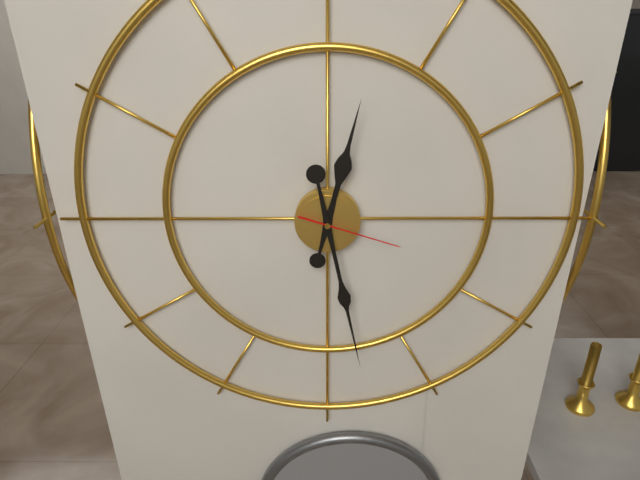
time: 12:28:18
